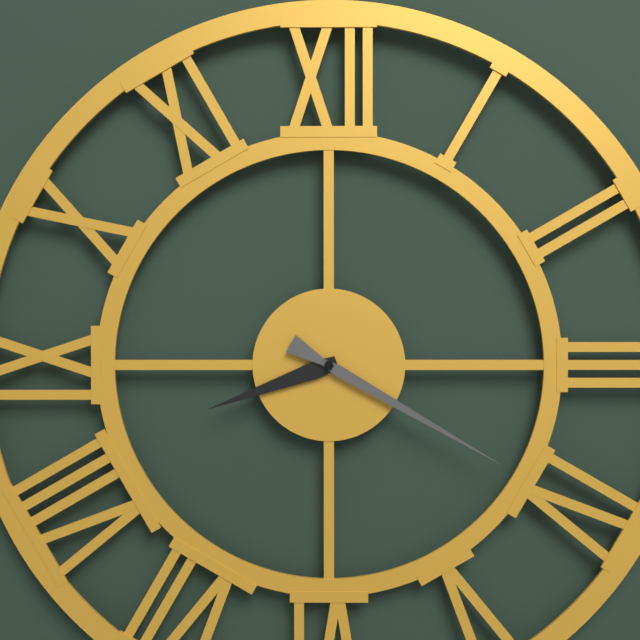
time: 8:20
